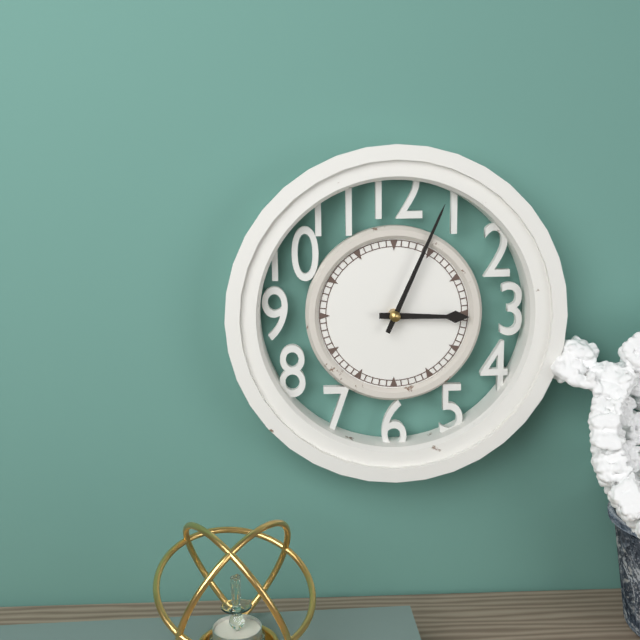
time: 3:04
